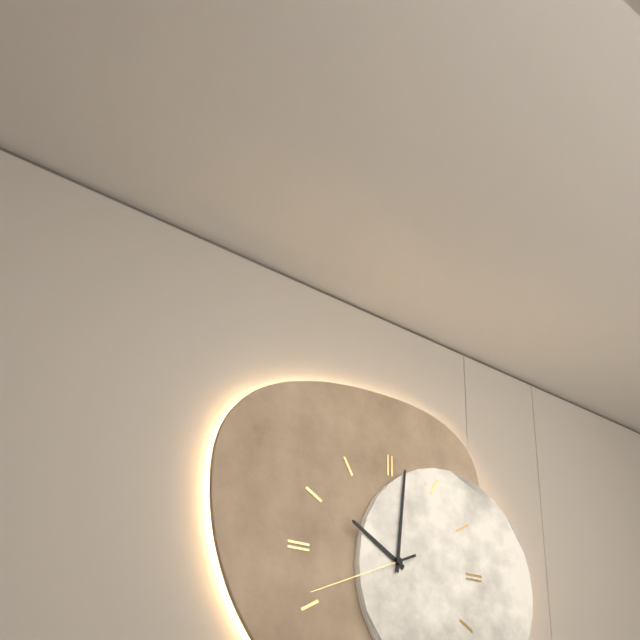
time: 10:01:41
